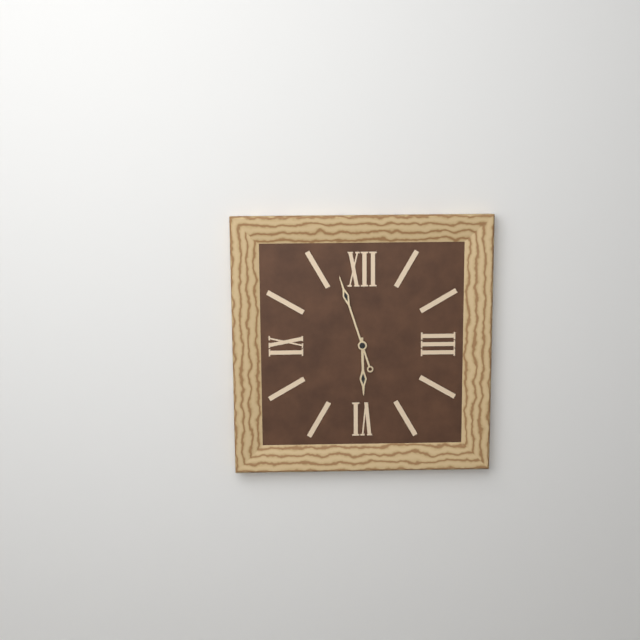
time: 5:57
